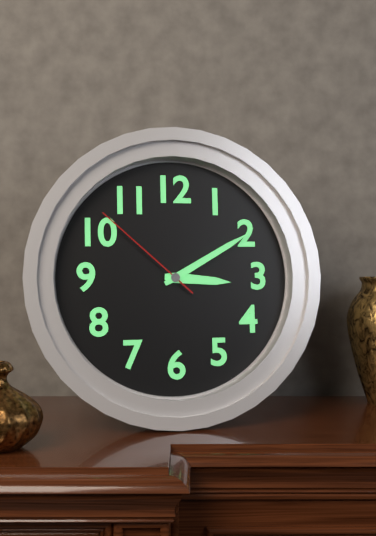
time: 3:10:52
